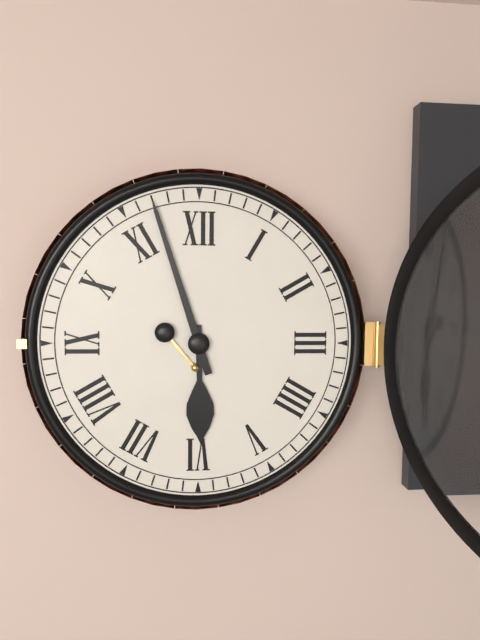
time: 5:57
